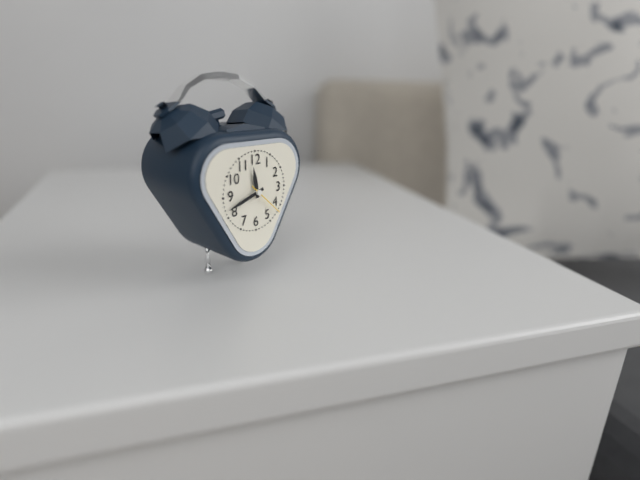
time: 11:42
